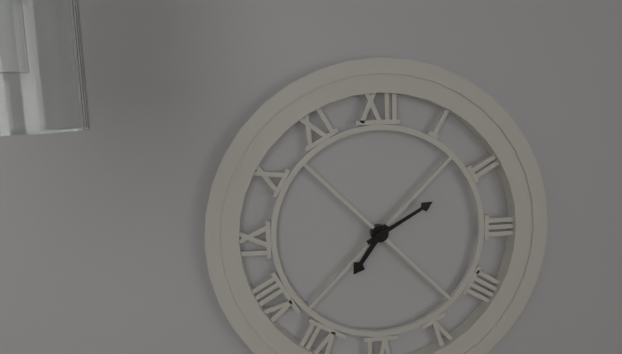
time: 7:10
